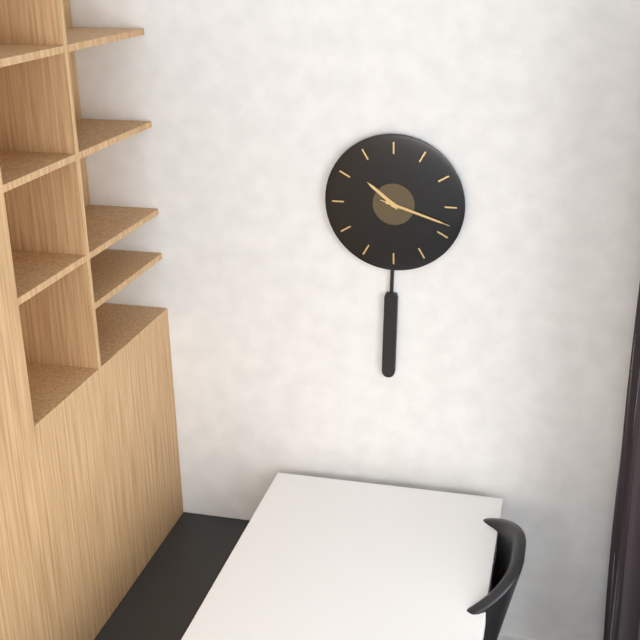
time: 10:18:18
